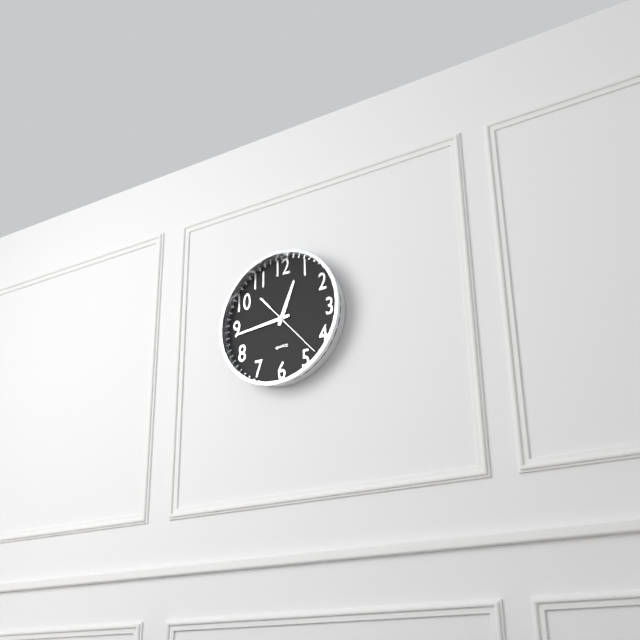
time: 12:44:23
